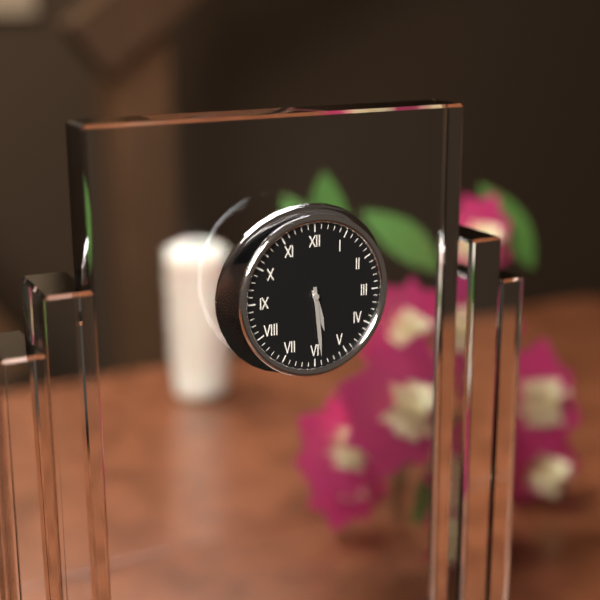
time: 5:29
